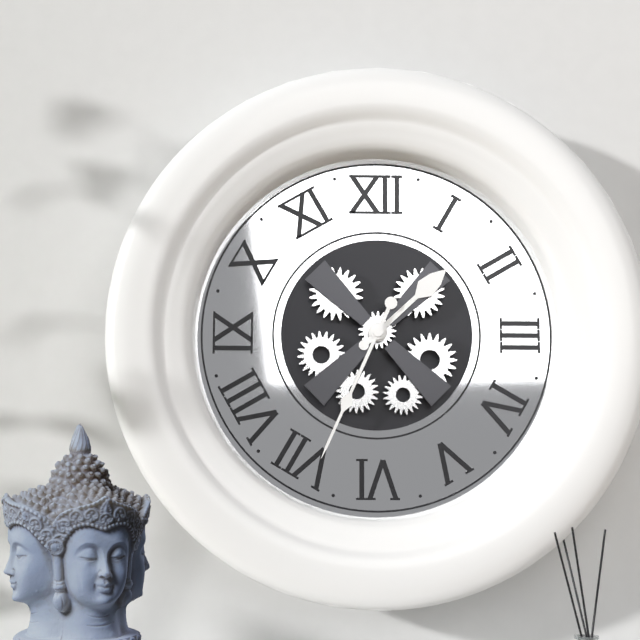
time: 1:34
